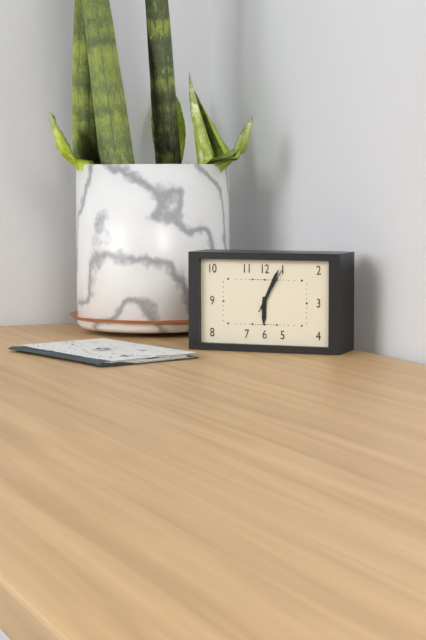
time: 6:04
